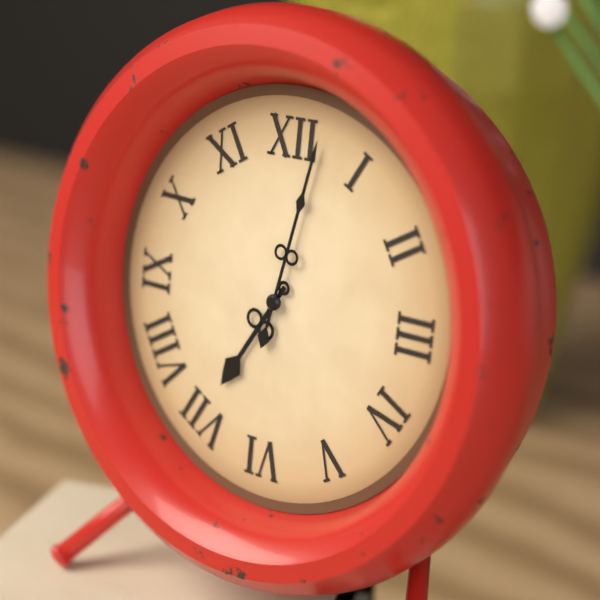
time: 7:02
